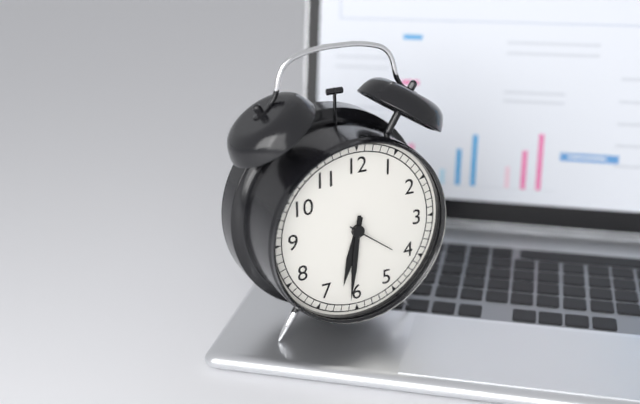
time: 6:31:21
